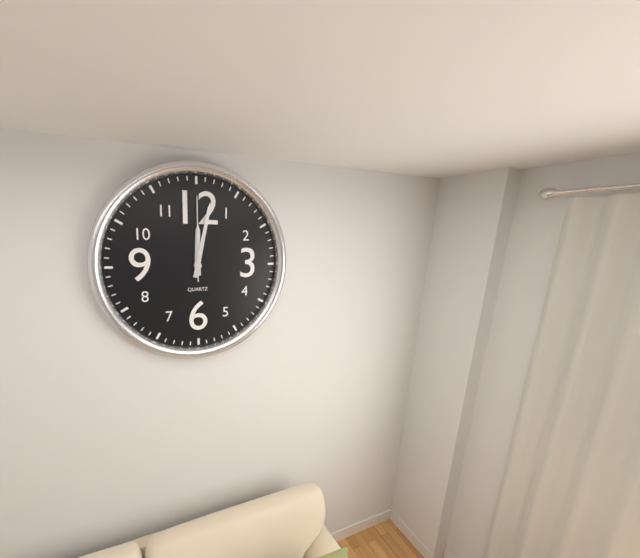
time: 12:02:00
